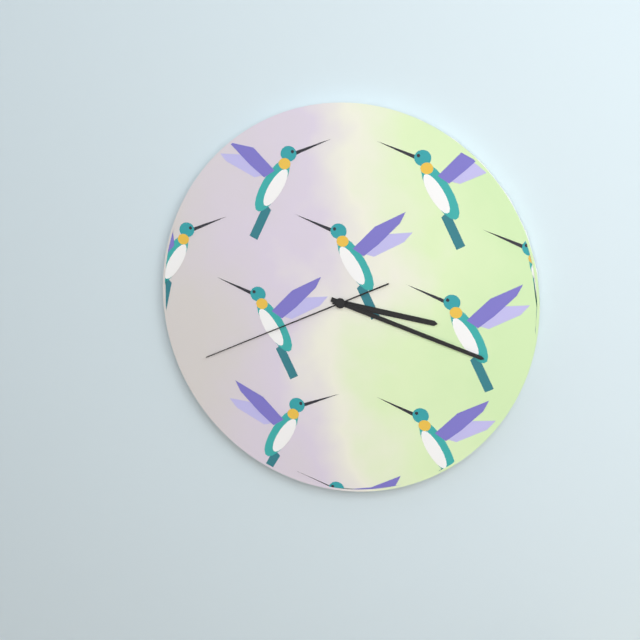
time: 3:18:41
